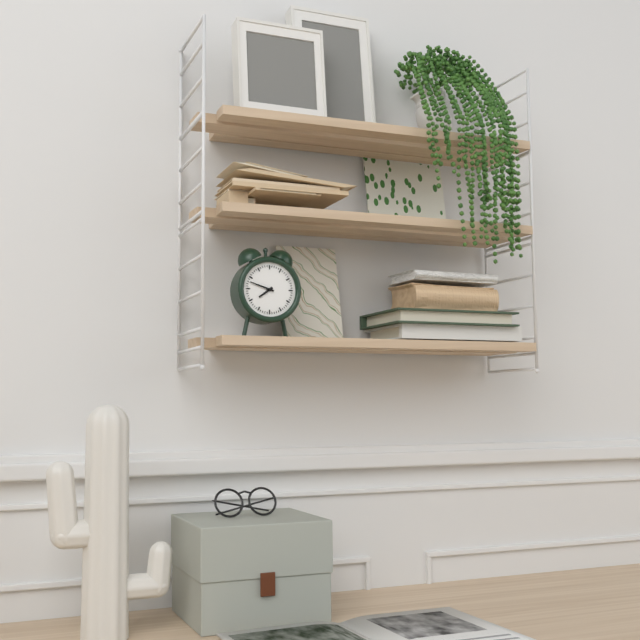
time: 7:48
